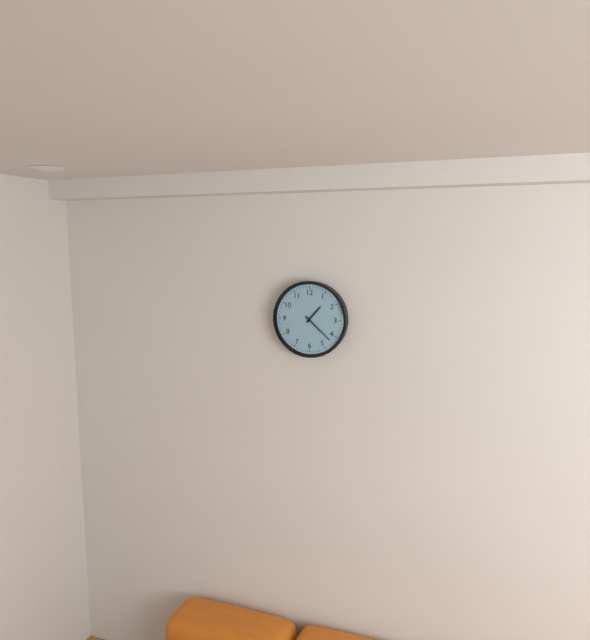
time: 1:22
